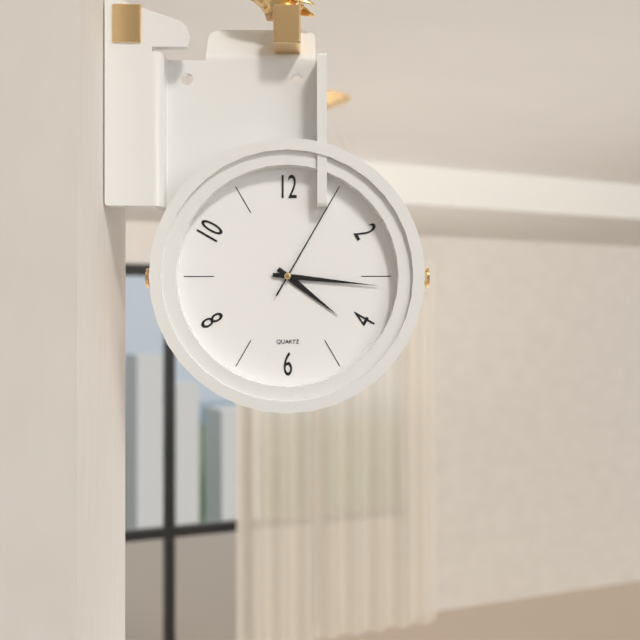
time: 4:16:05
